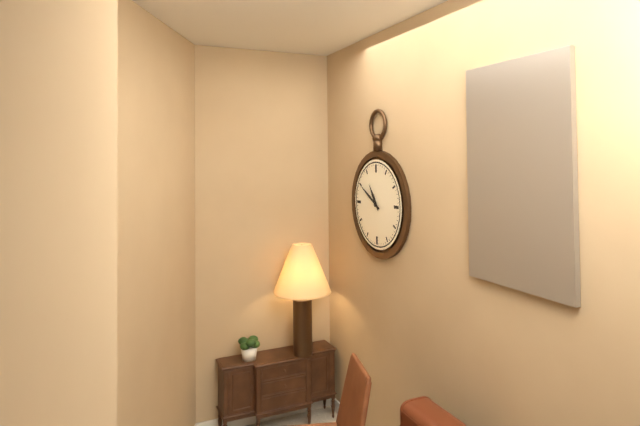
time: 10:50
